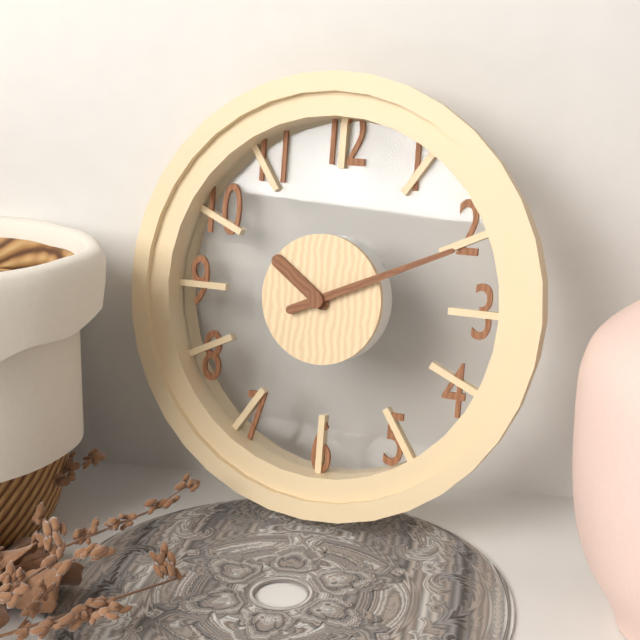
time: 10:11
